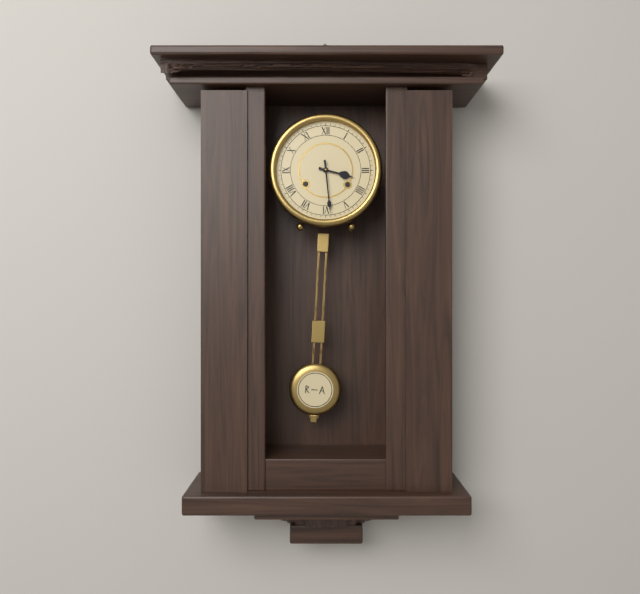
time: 3:29
